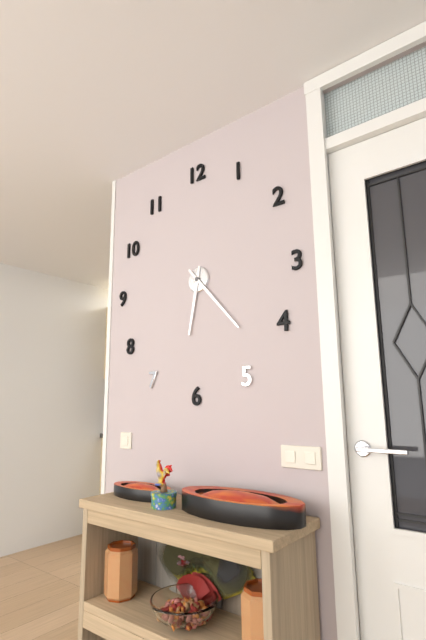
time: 6:23
